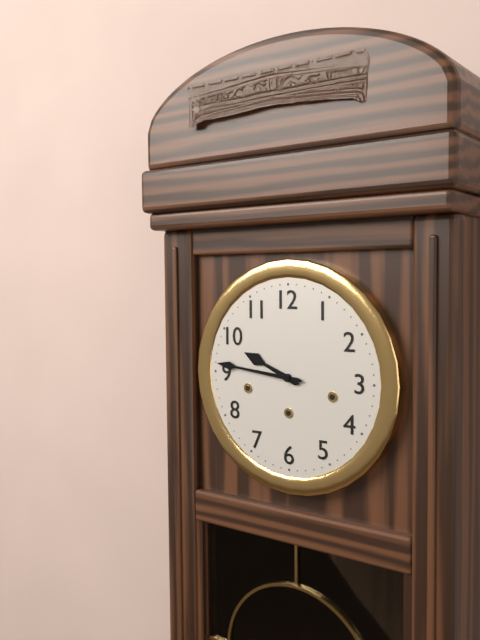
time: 9:46
